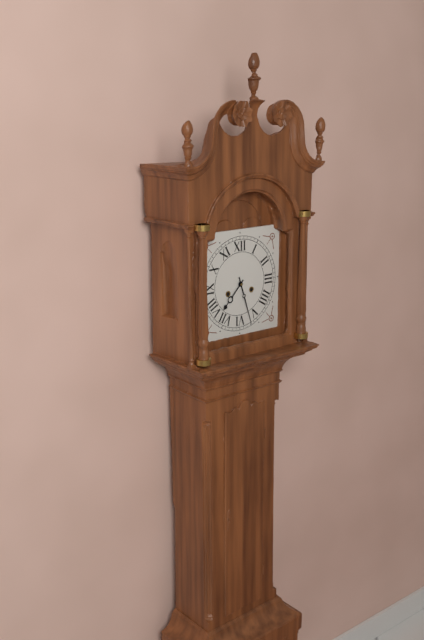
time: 7:27
